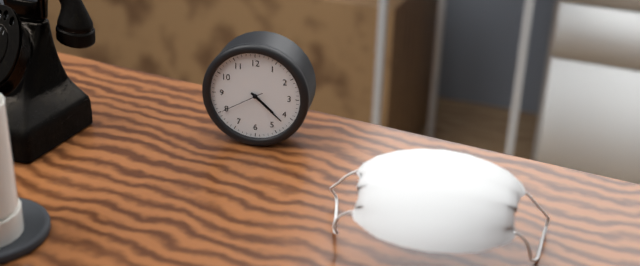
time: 4:22
